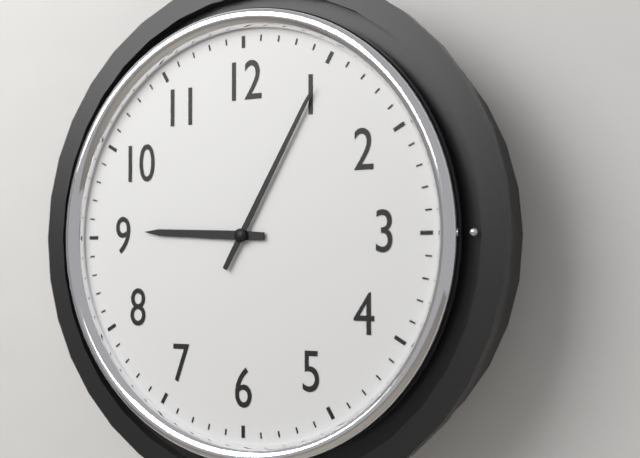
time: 9:05
